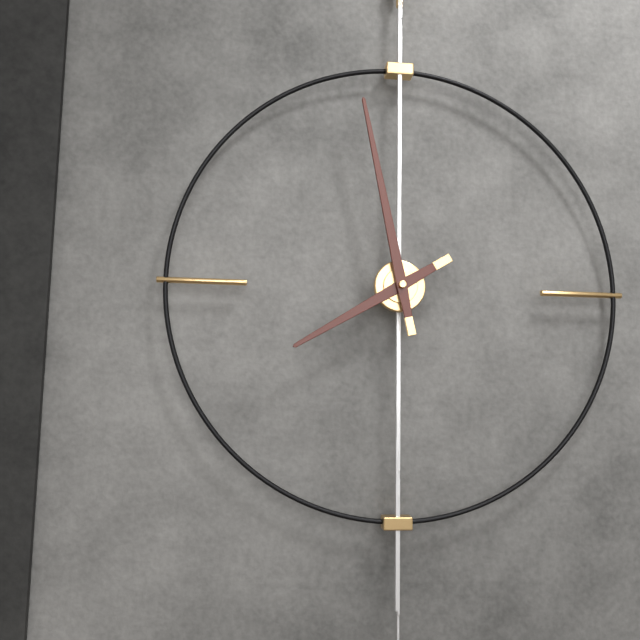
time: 7:58
